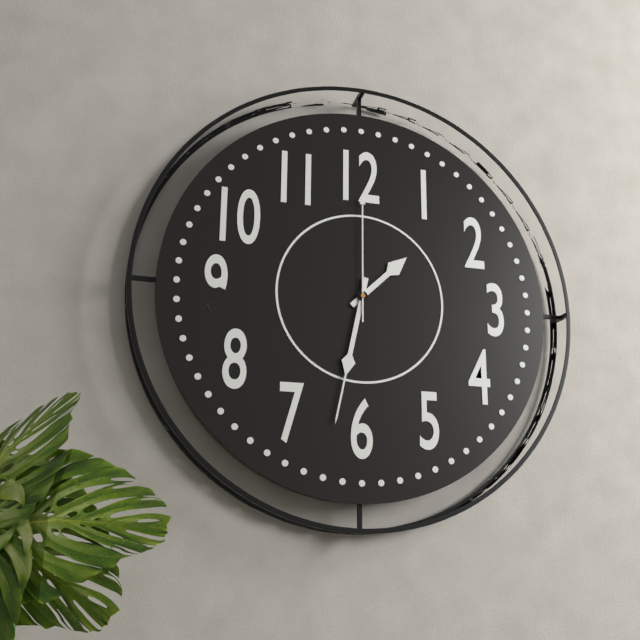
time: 1:32:00
